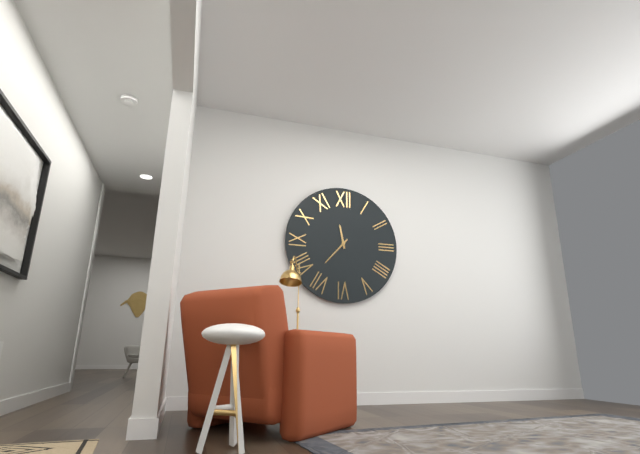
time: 11:37
